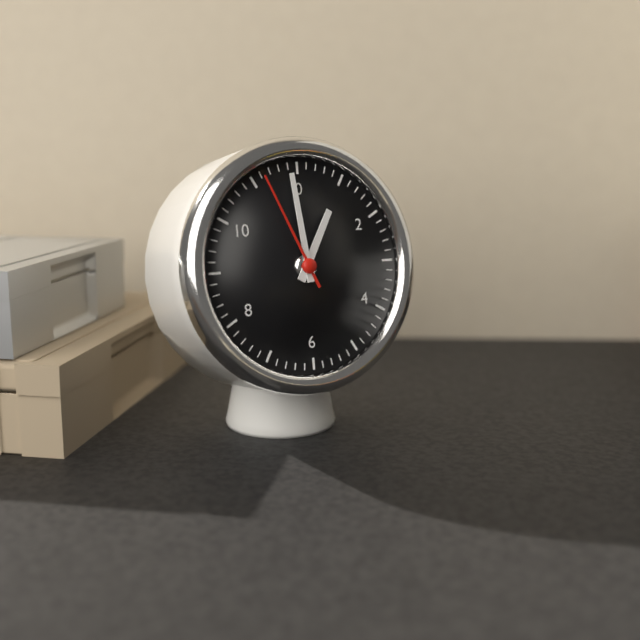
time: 12:59:56
